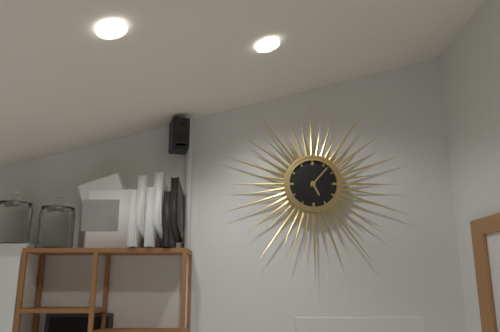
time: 5:07
